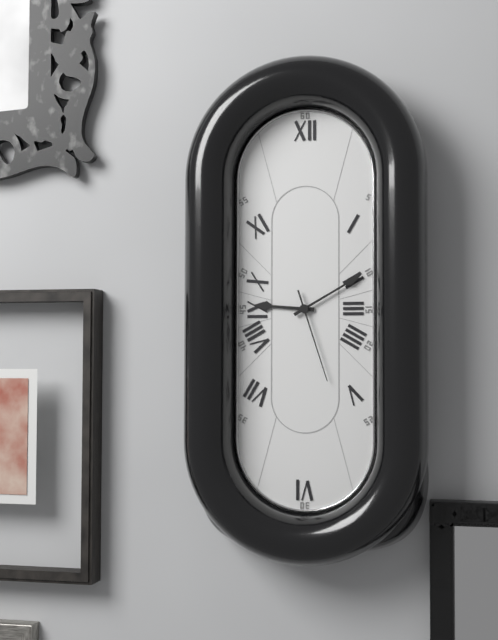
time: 9:10:27
